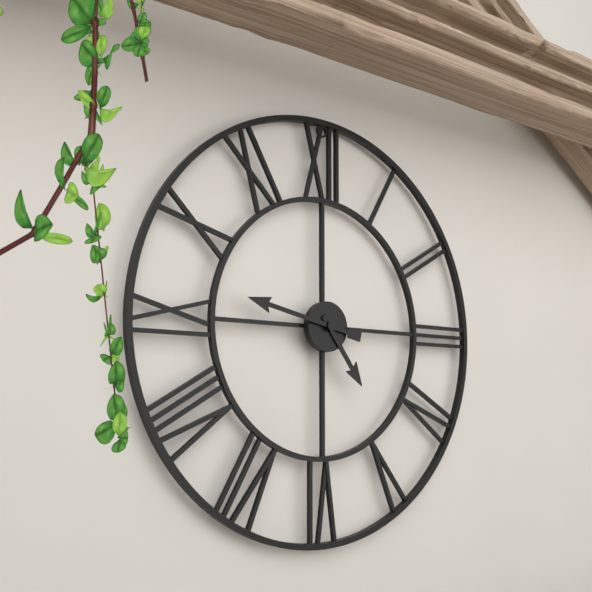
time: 4:47
